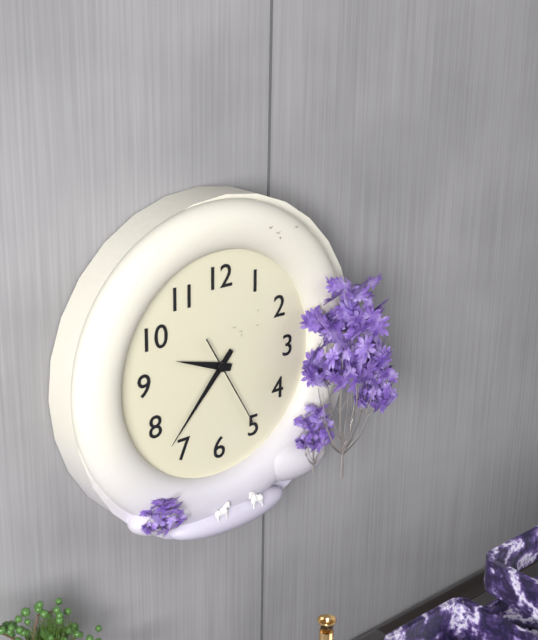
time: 9:37:25
